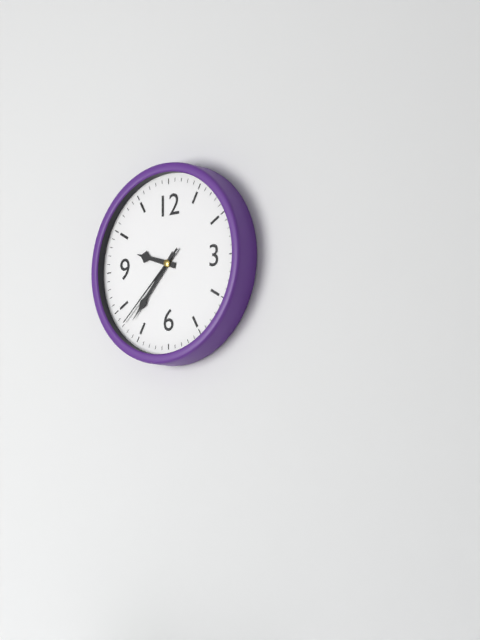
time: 9:37:38
